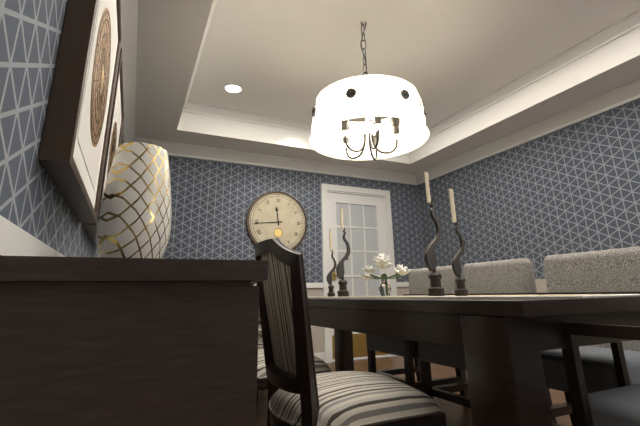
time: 11:44
